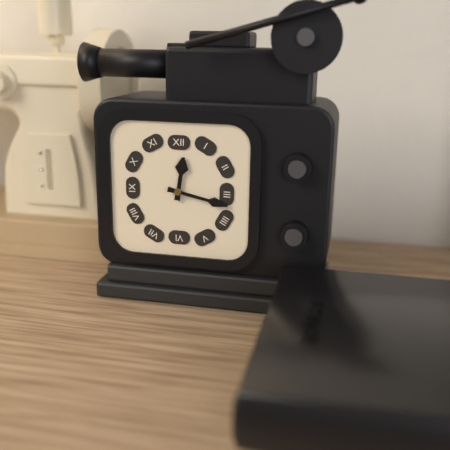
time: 12:17
